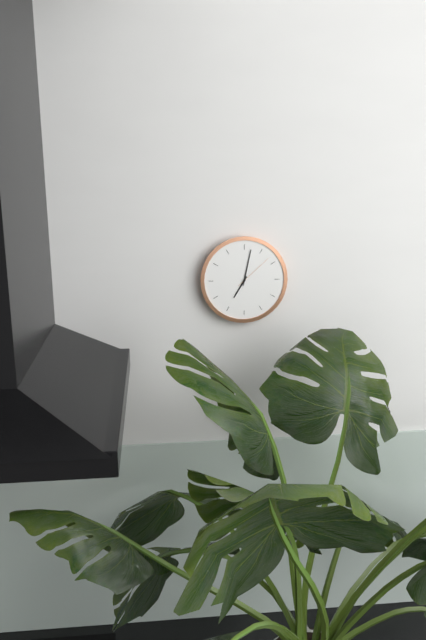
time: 7:02
